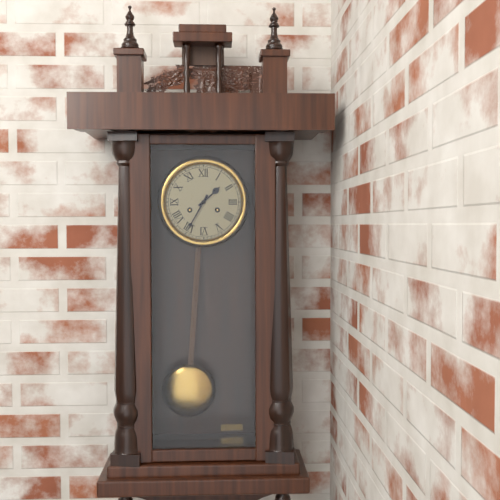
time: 1:35
